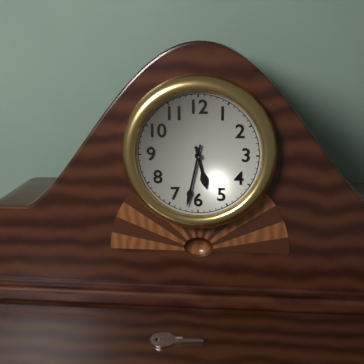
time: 5:32
